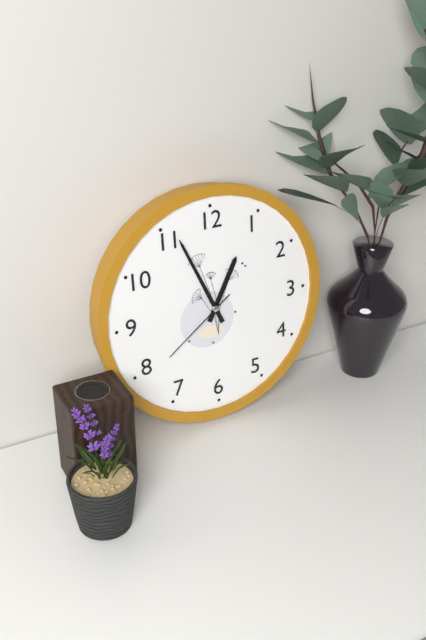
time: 12:56:39
